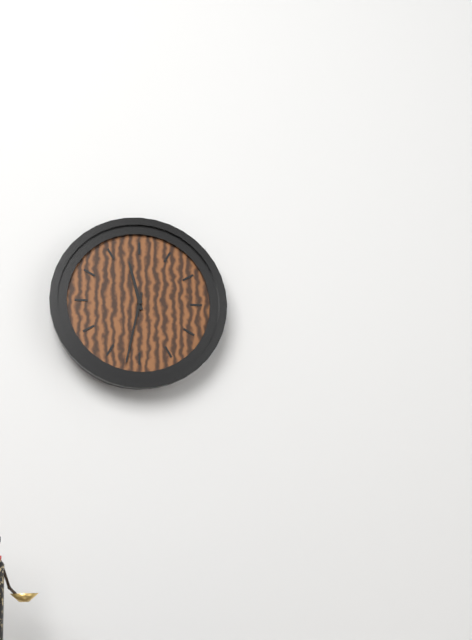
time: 11:32
